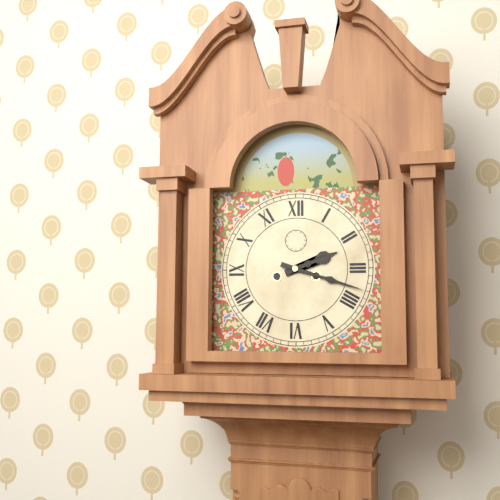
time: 2:18
